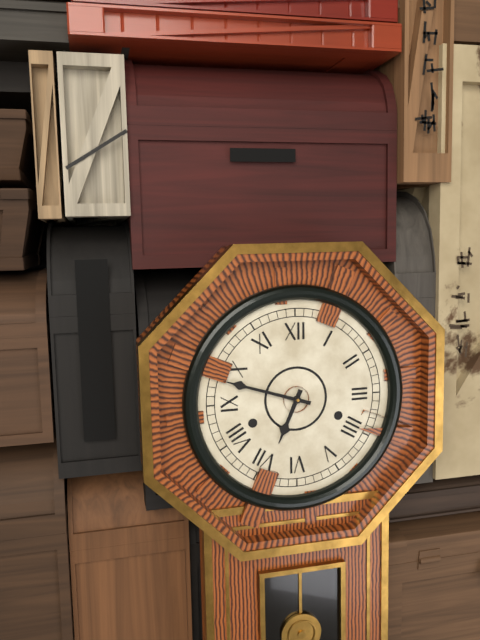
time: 6:48
